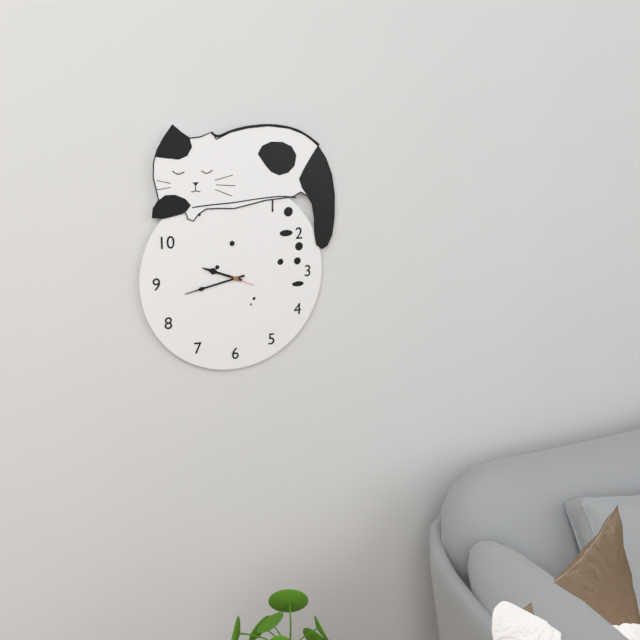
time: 9:43
